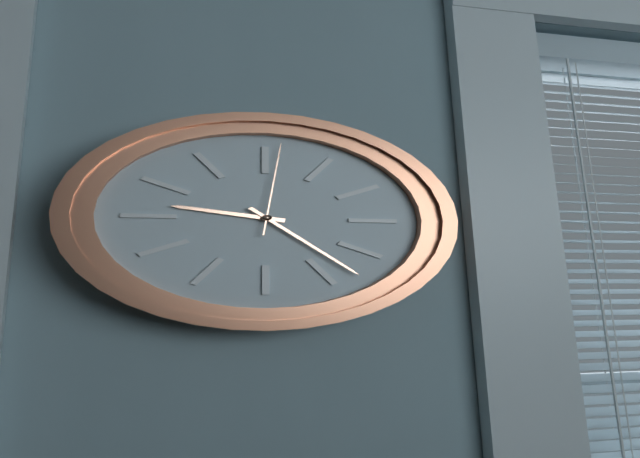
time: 9:23:01
